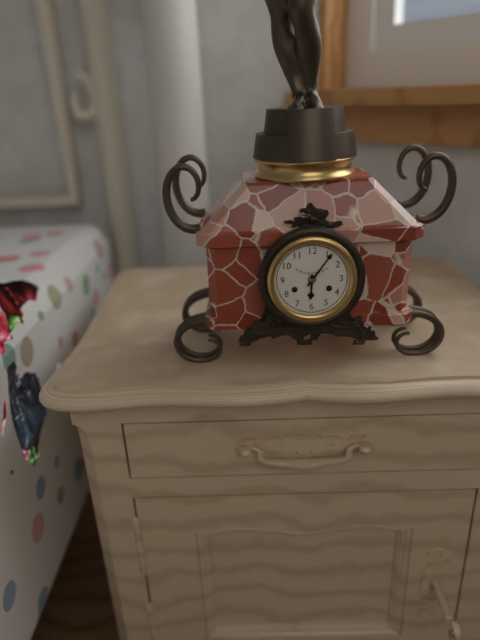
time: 6:06
